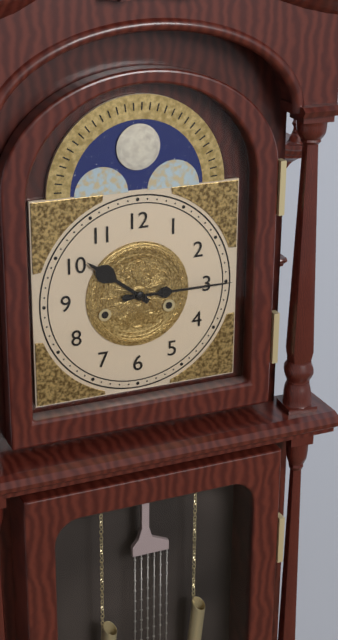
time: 10:15
